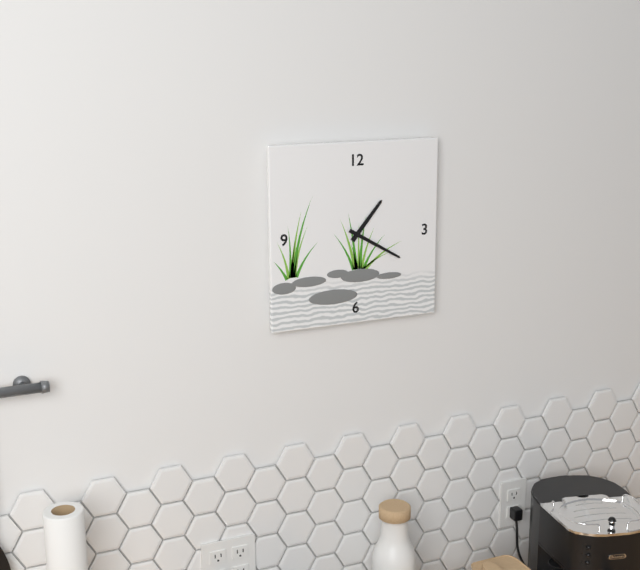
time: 1:20
